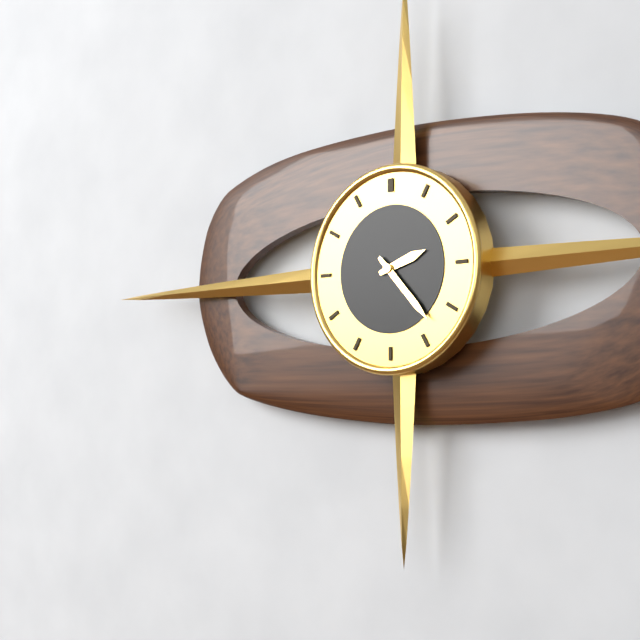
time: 2:23
